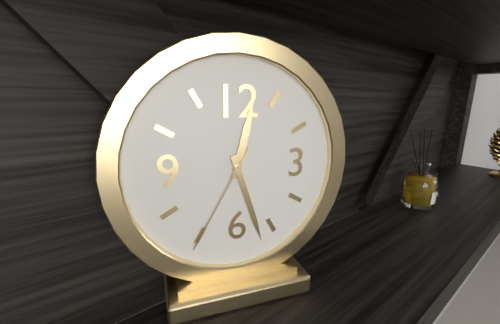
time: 12:27:35
